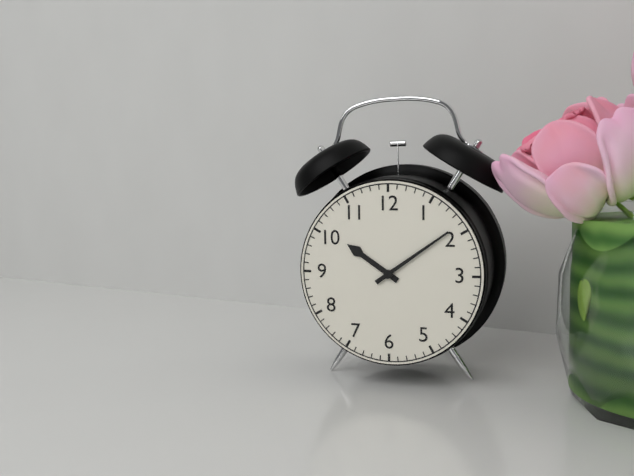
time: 10:09
